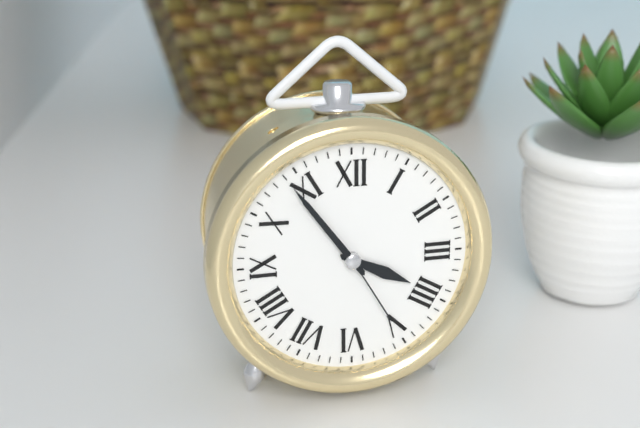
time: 3:54:25
